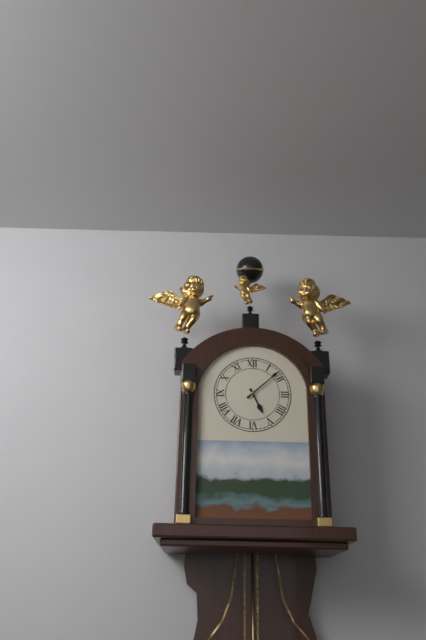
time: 5:08
